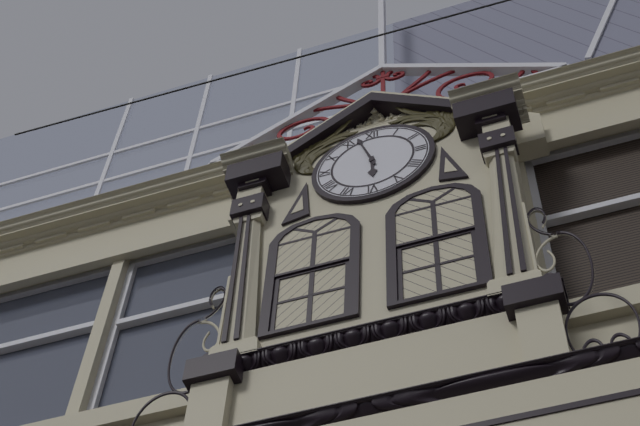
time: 5:57
